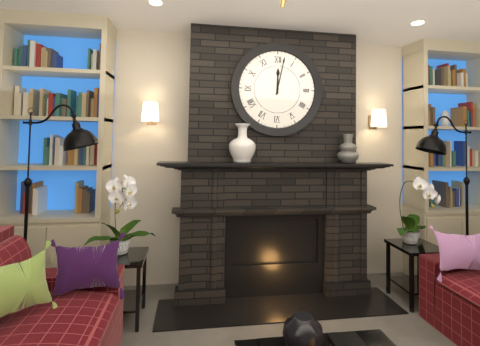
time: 12:02
